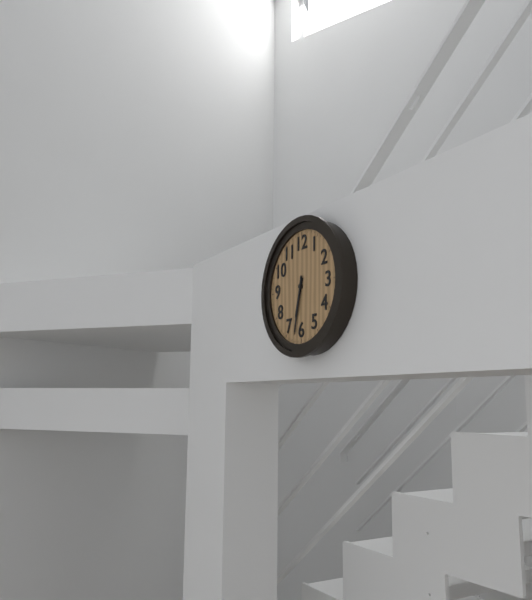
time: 6:32
